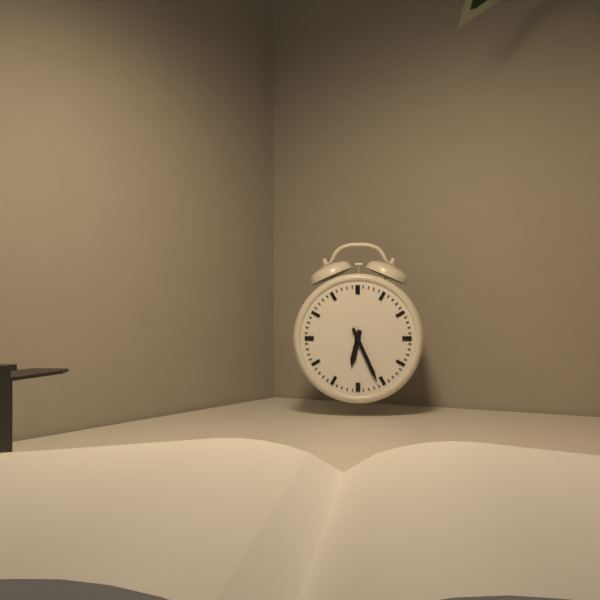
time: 6:26
